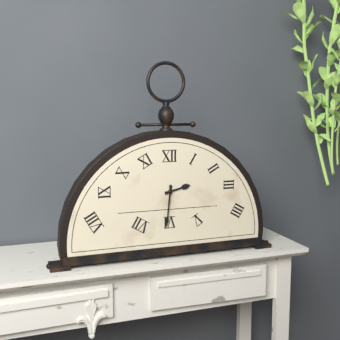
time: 2:31
